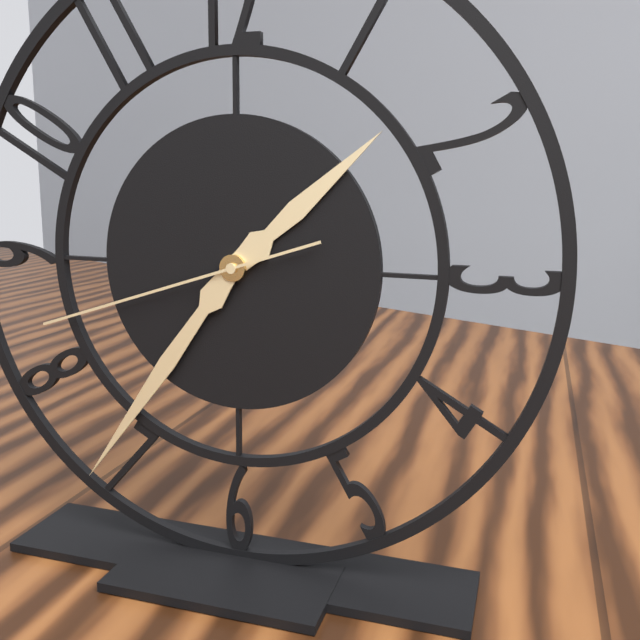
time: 1:36:42
